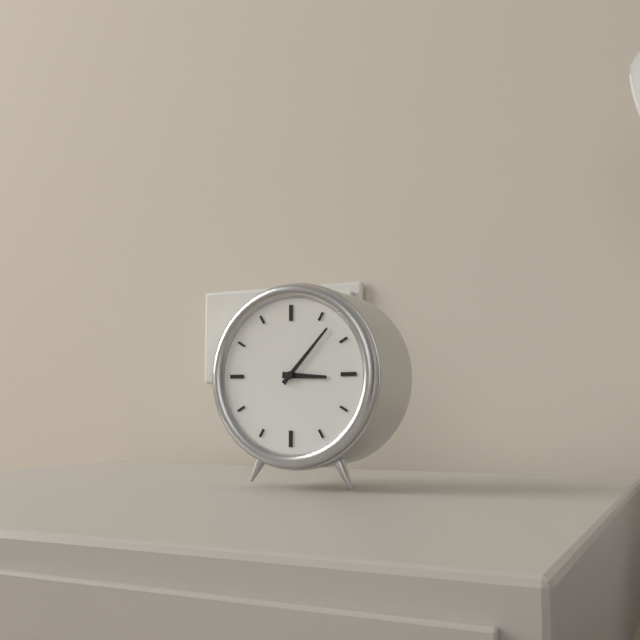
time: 3:07
